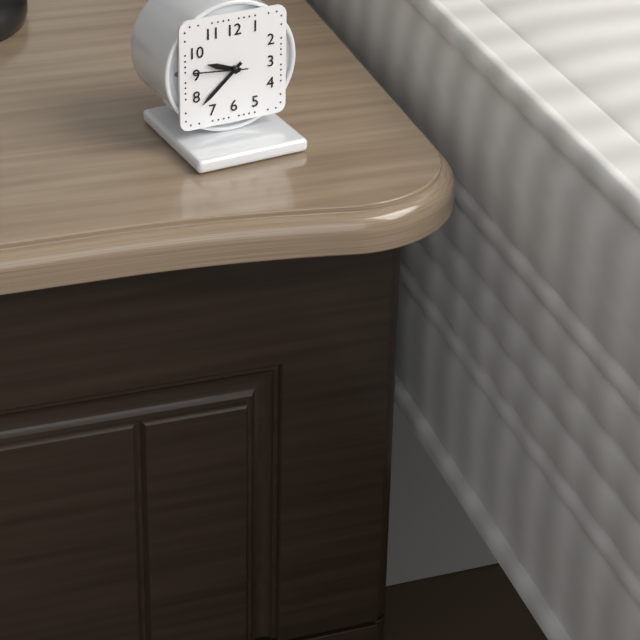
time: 9:38:46
